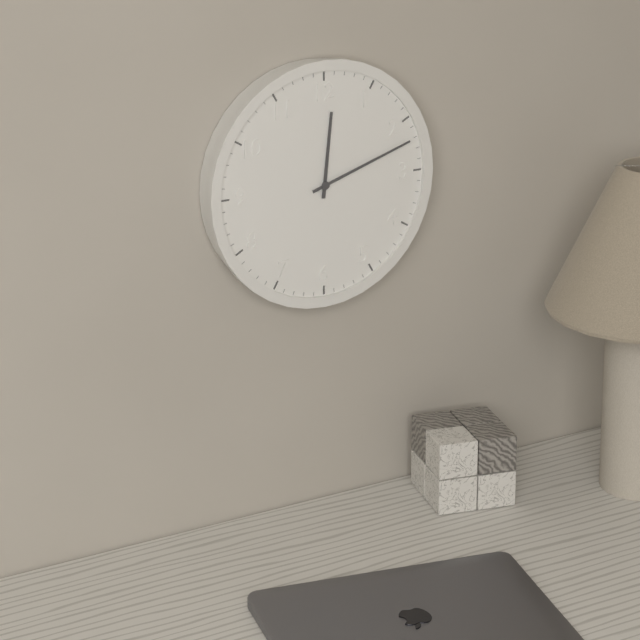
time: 12:12
